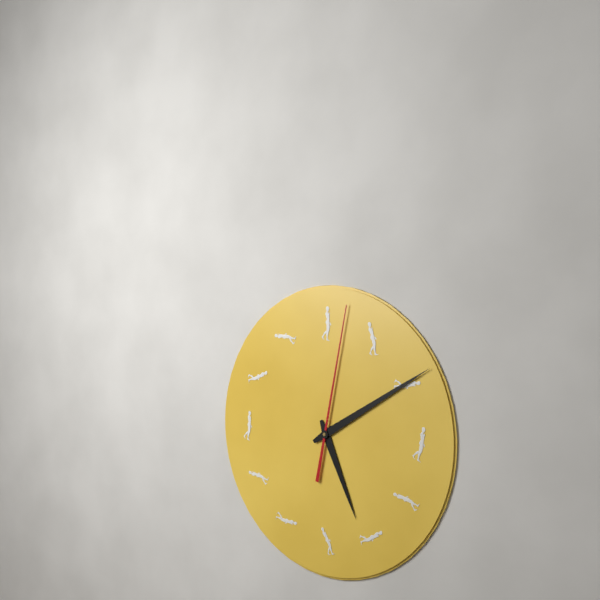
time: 5:10:02
